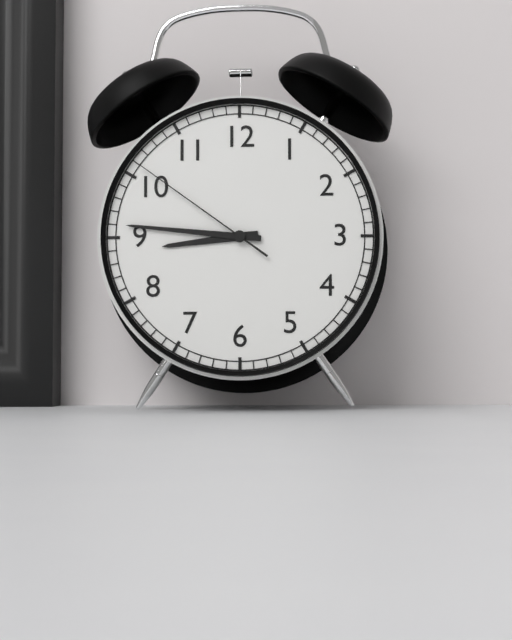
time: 8:46:51
